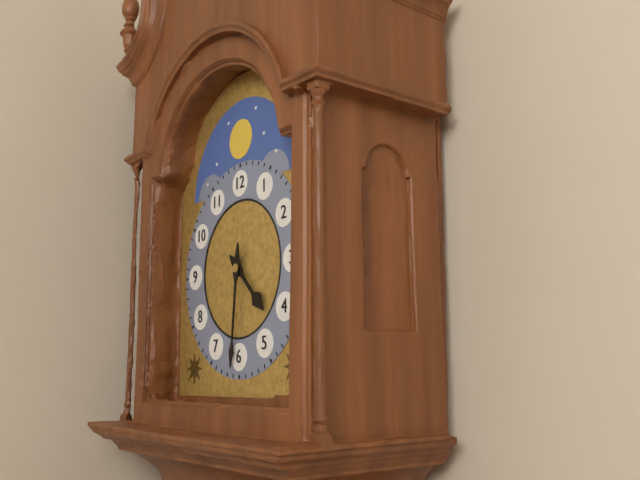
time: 4:31
